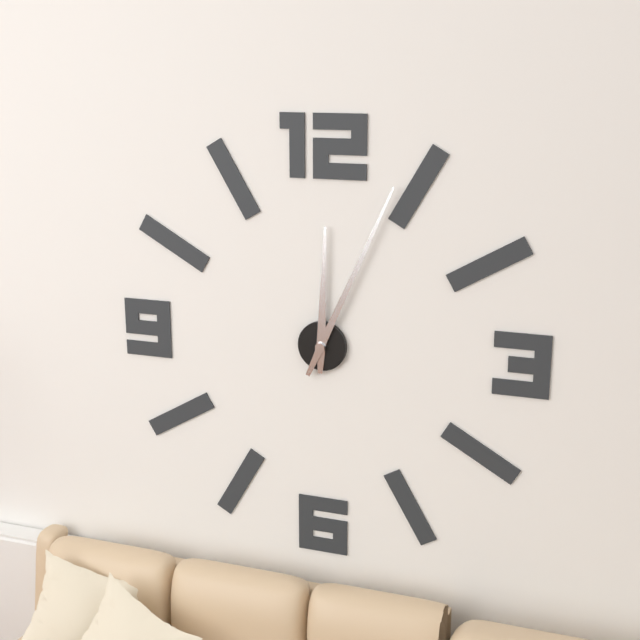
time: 12:04
